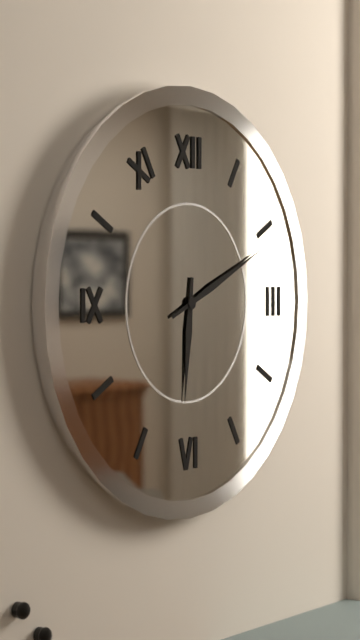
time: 6:11
